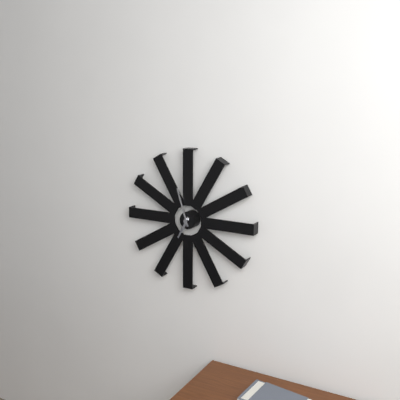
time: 6:57
